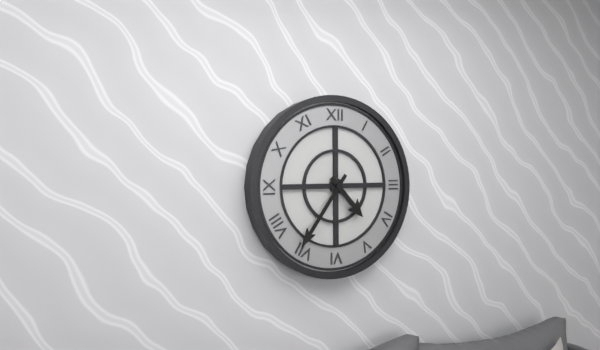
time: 4:36
